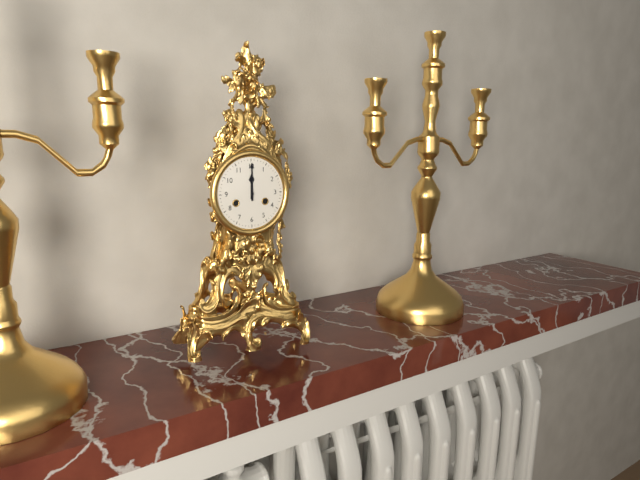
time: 12:00
